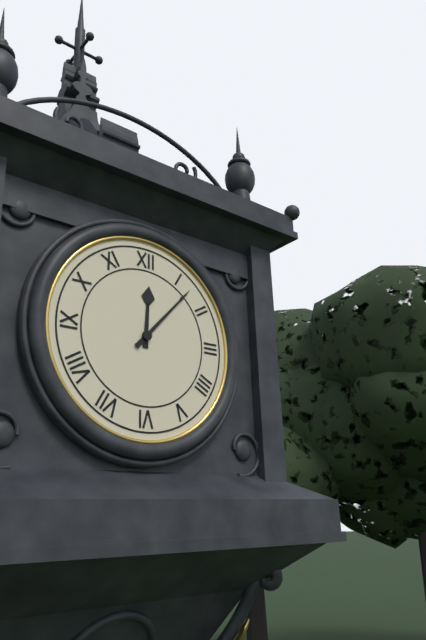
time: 12:07
